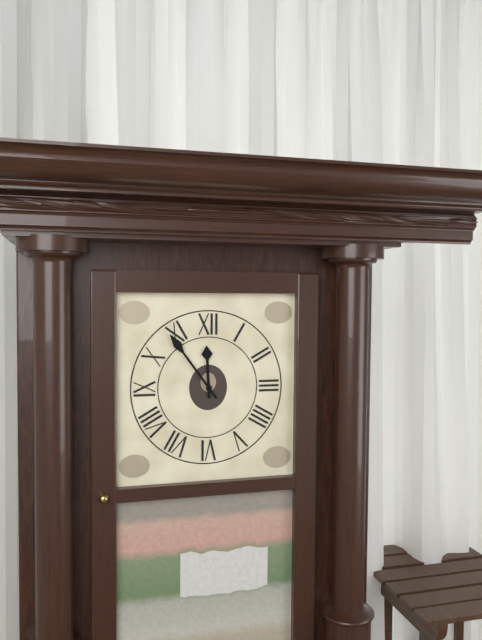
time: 11:54
